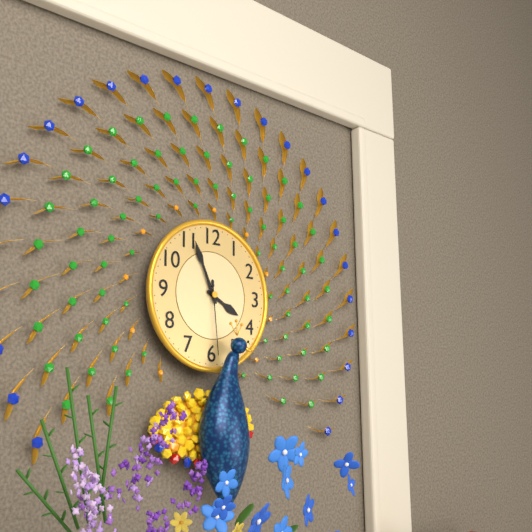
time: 3:56:29
